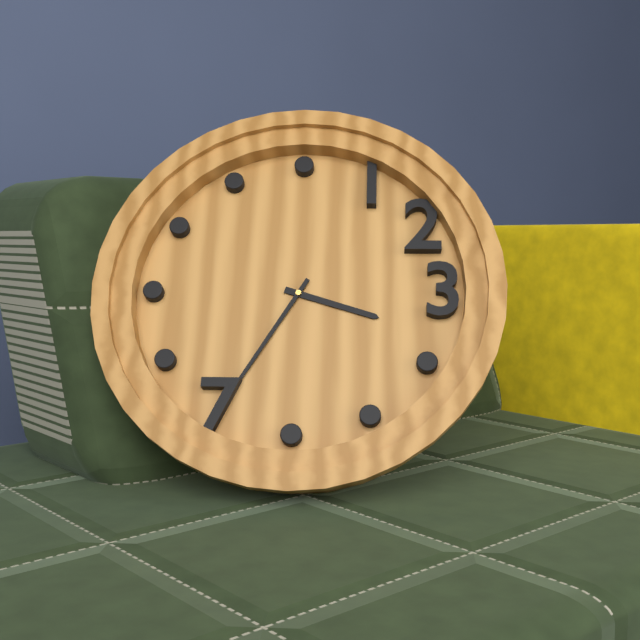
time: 3:35
